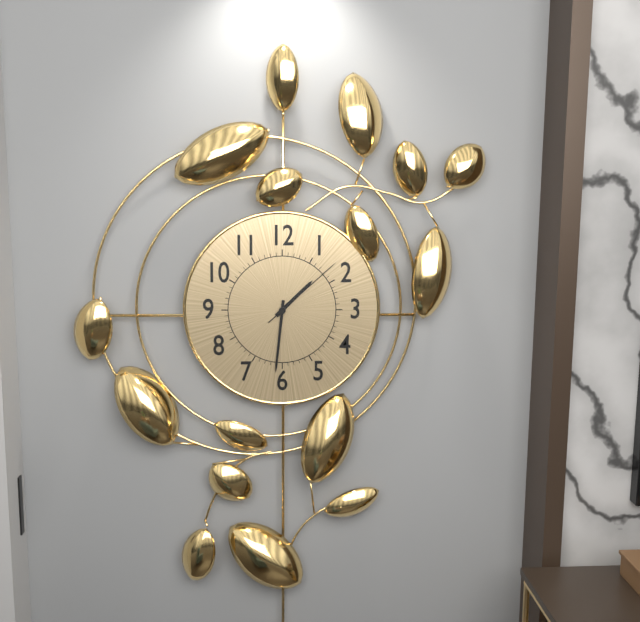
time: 1:31:08
